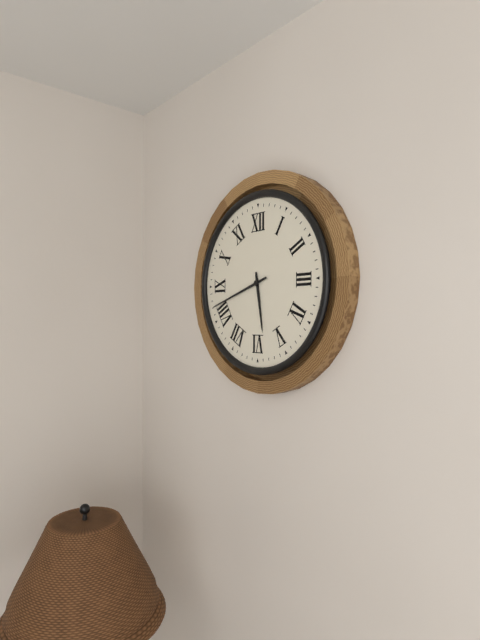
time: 5:42
